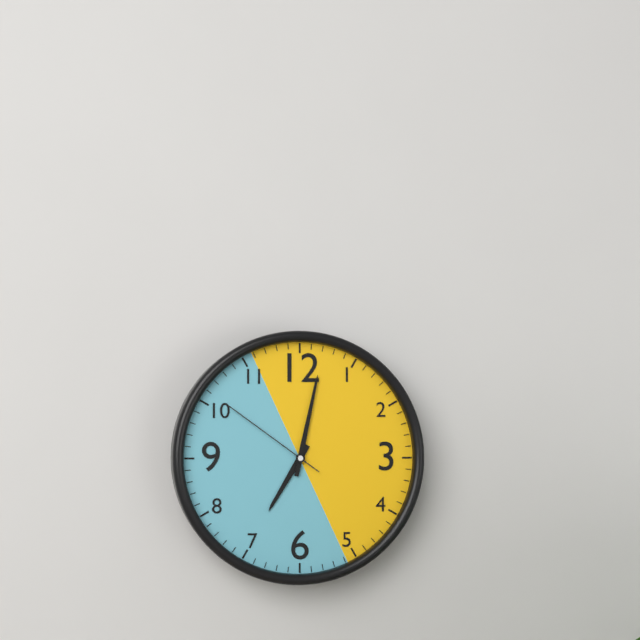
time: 7:02:51
